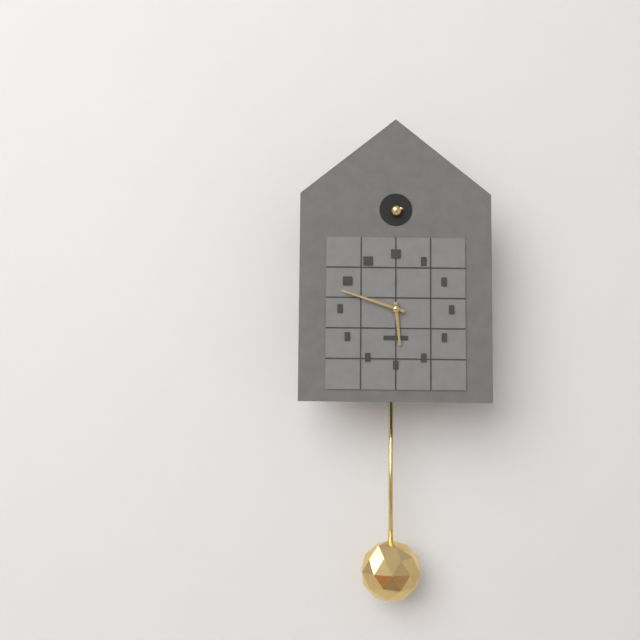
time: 5:48
